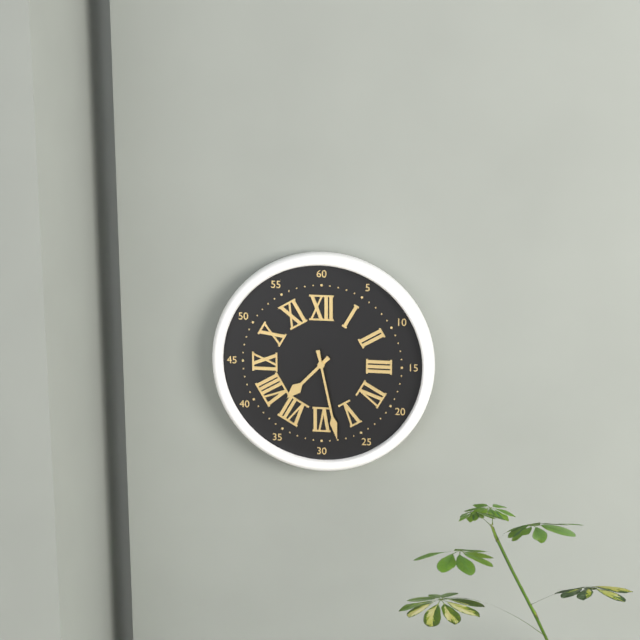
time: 7:28
